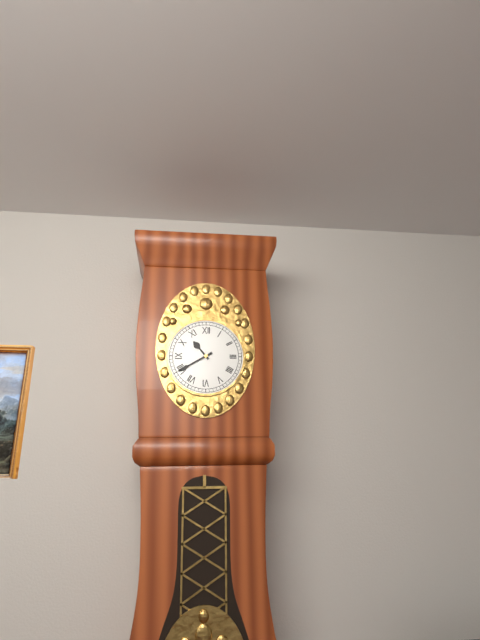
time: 10:40
